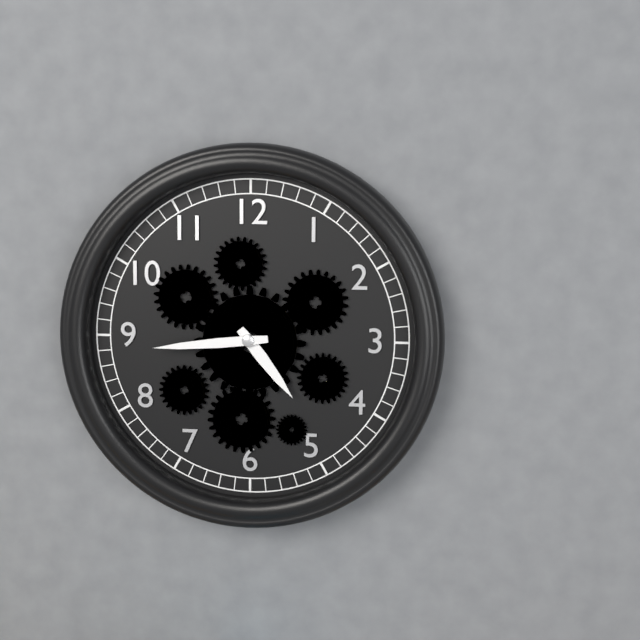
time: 4:44
